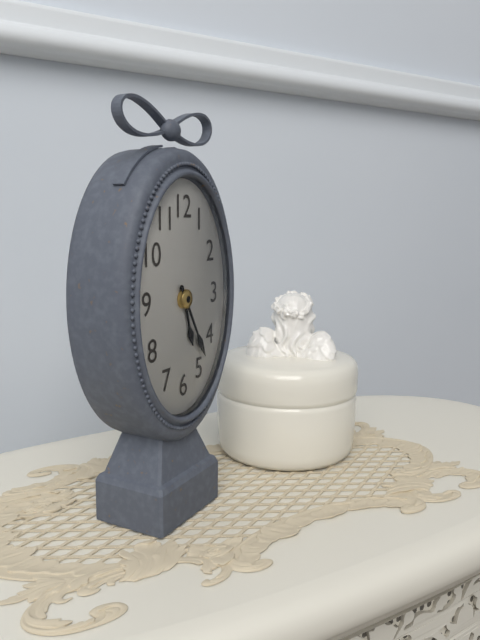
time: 5:25
